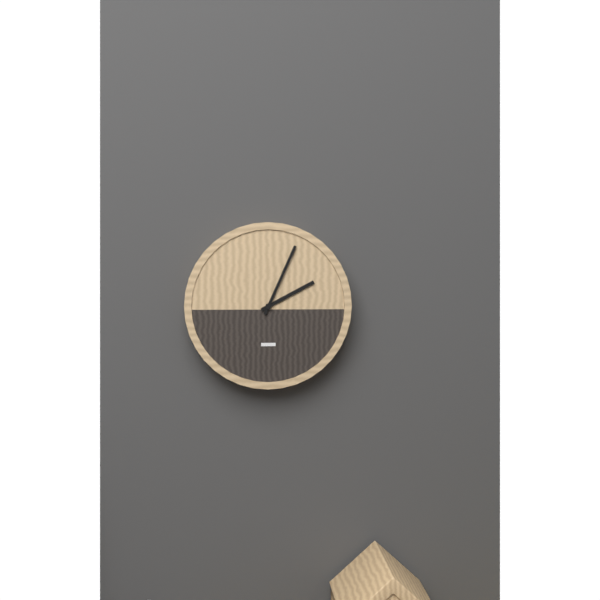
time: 2:04
